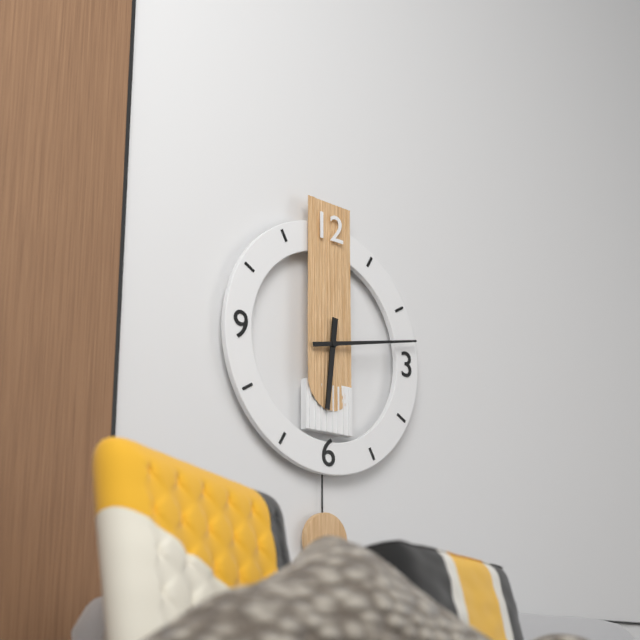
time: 6:13
